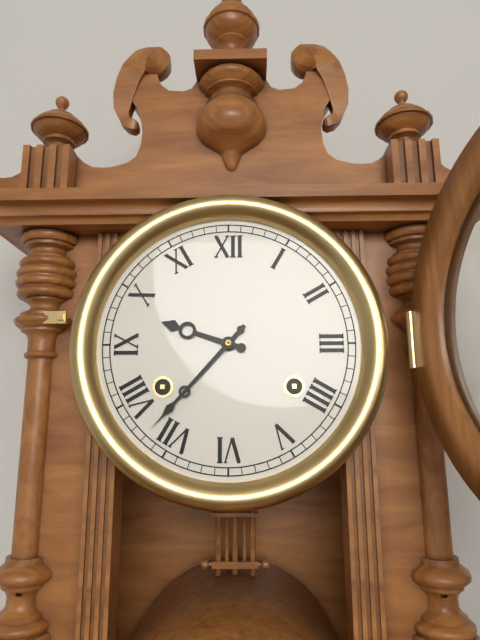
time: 9:37
